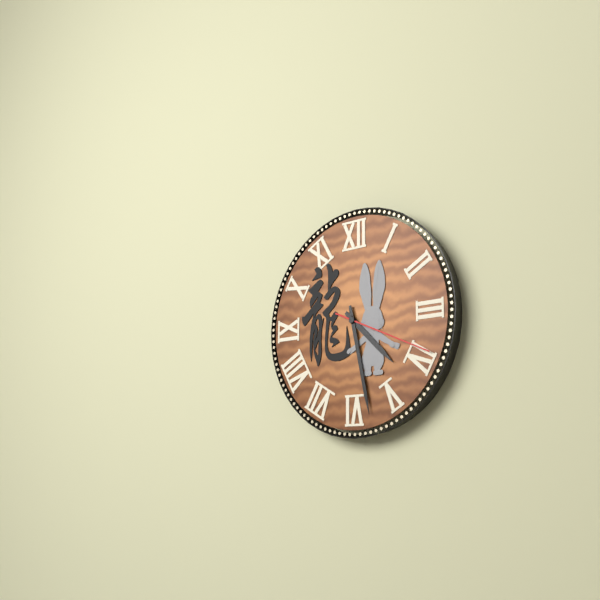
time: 4:28:19
